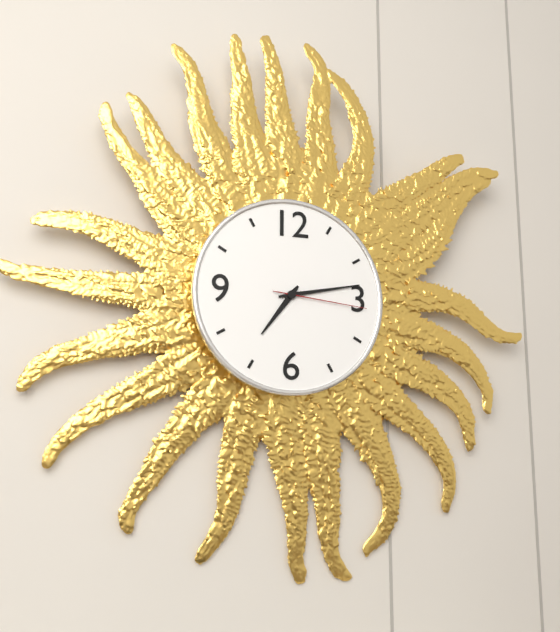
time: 7:13:16
